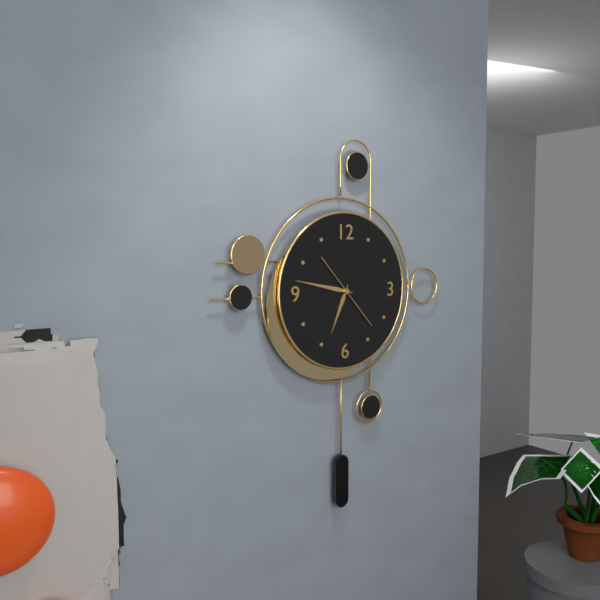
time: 6:47:23
